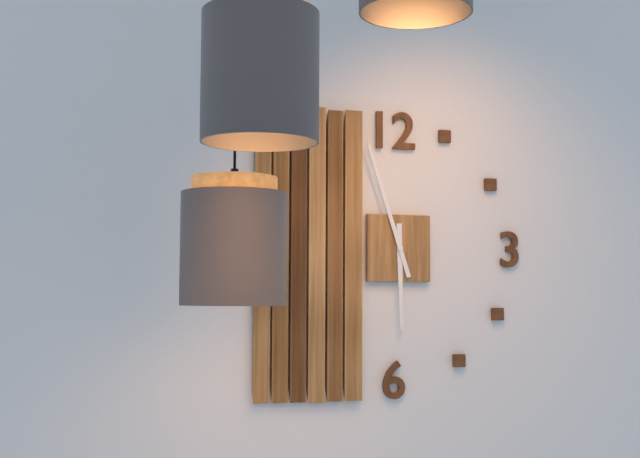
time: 5:57
